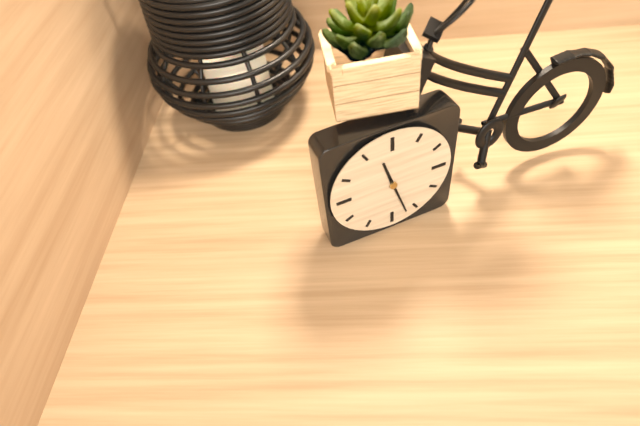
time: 11:27
